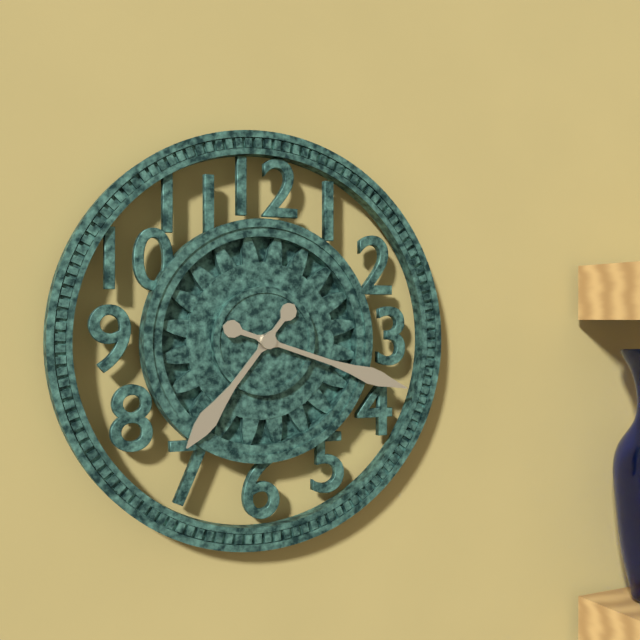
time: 7:18
